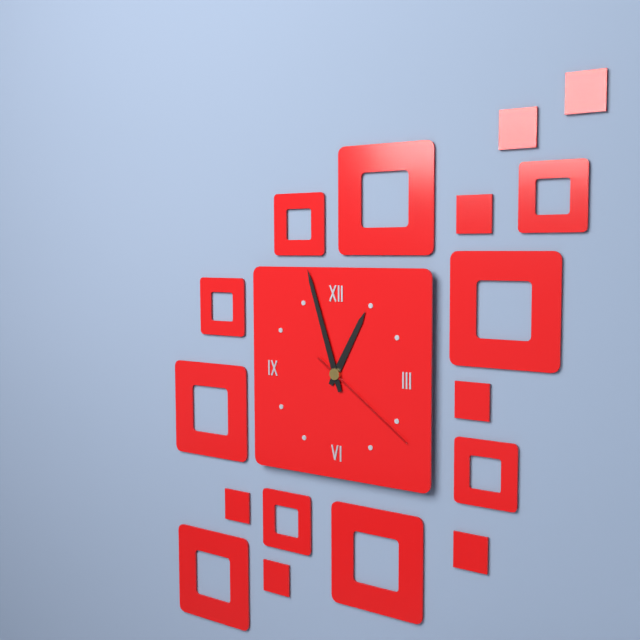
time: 12:57:21
